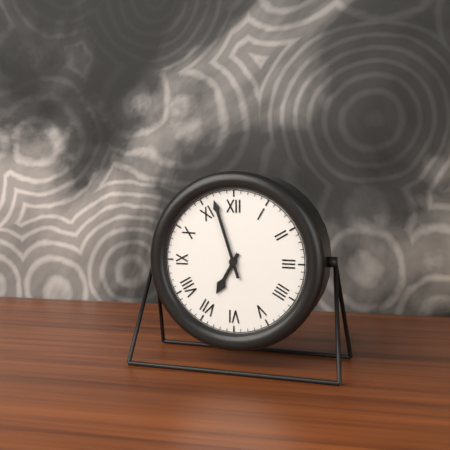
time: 6:57
